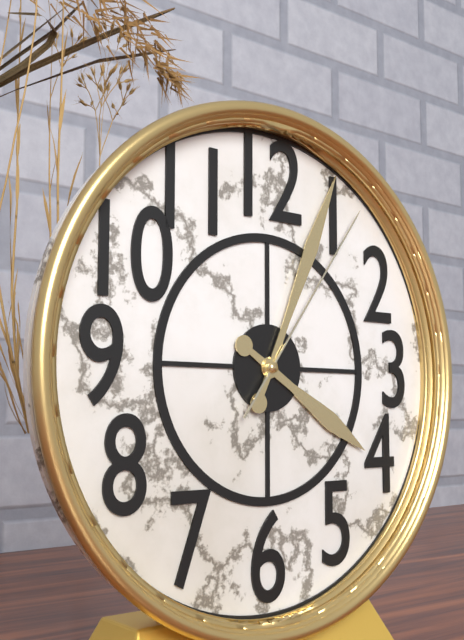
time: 4:04:06
